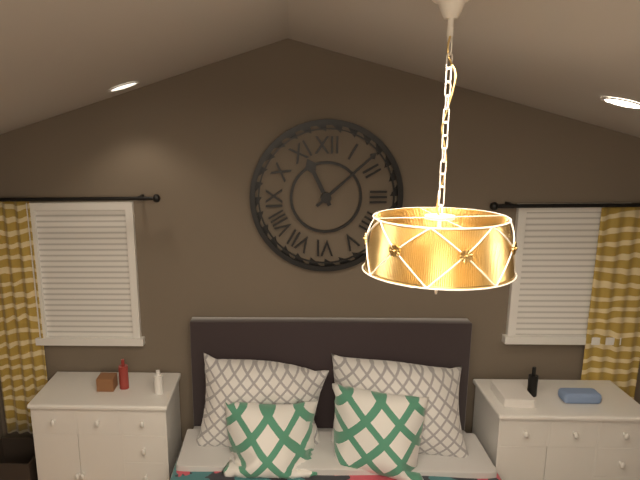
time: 11:08
